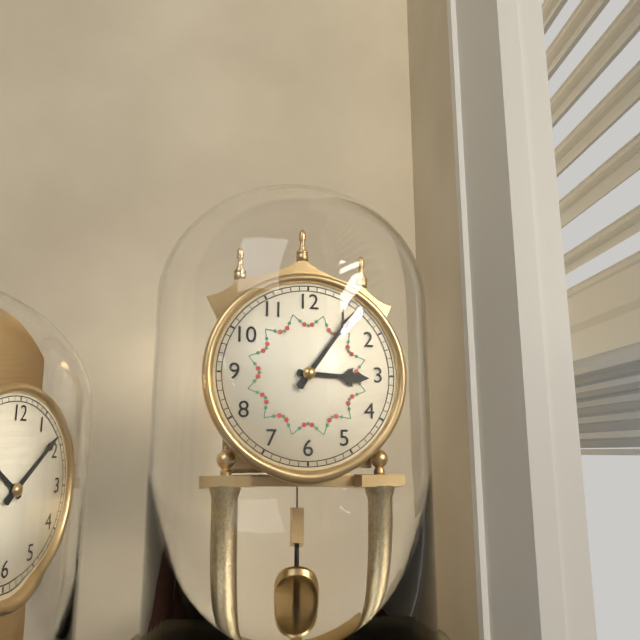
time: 3:06
